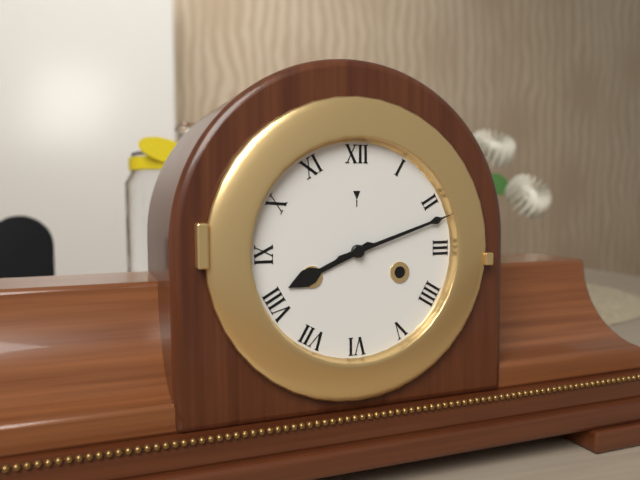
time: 8:12
